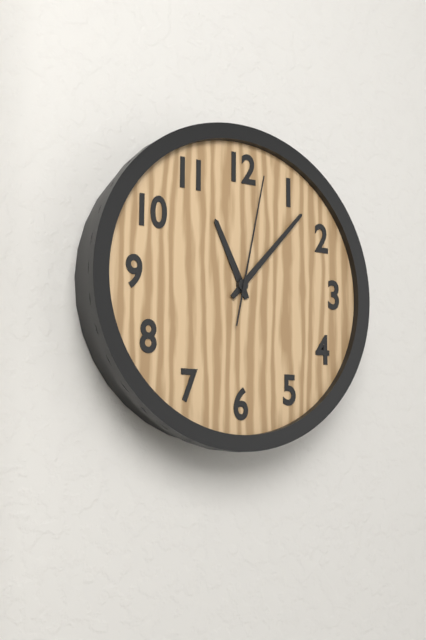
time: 11:07:02
